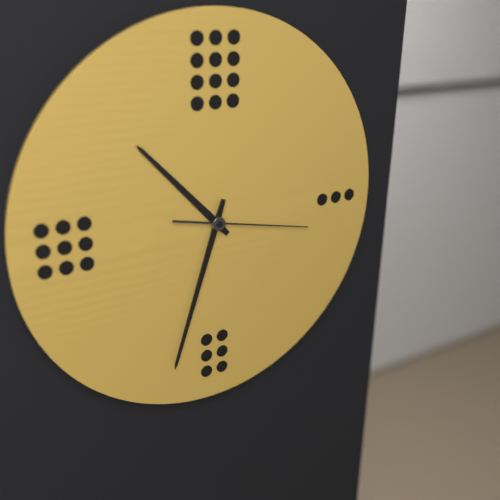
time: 10:33:17
